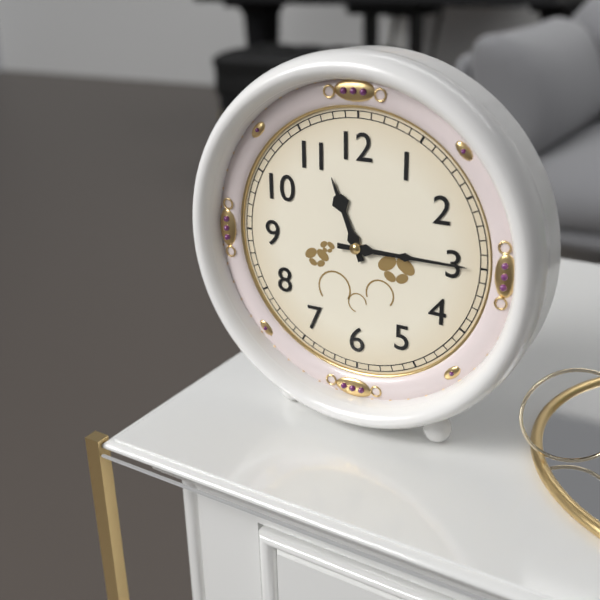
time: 11:15
